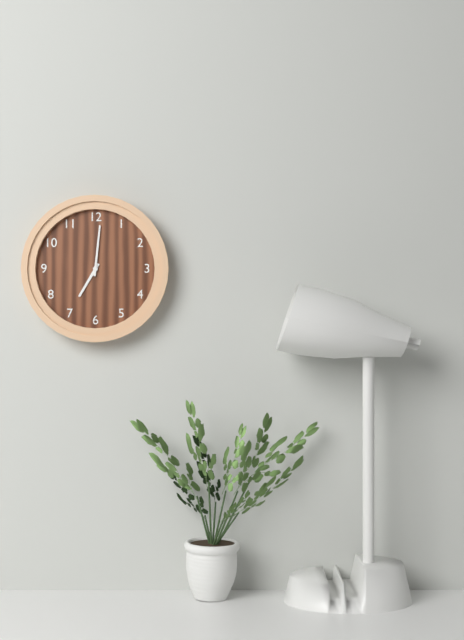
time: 7:01
